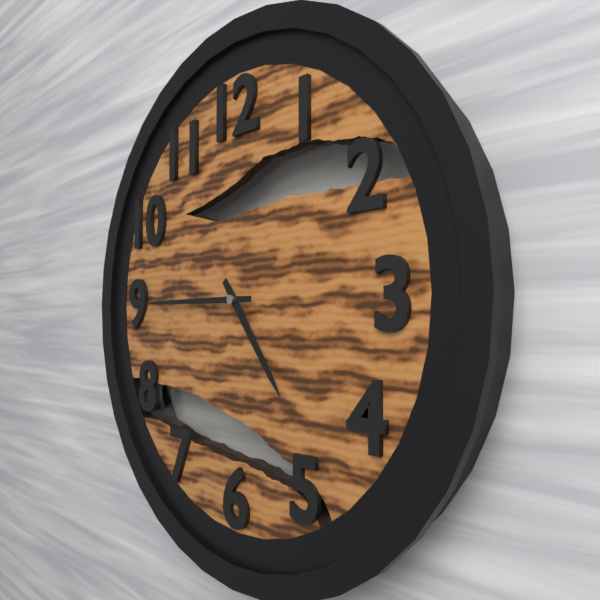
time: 4:45
